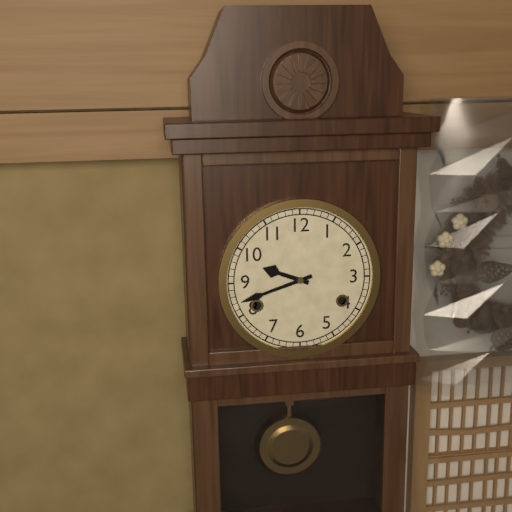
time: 9:42
